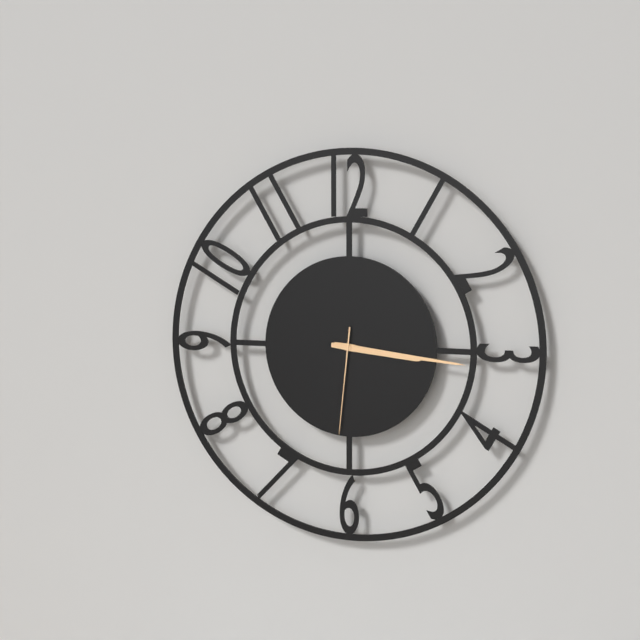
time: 3:16:31
